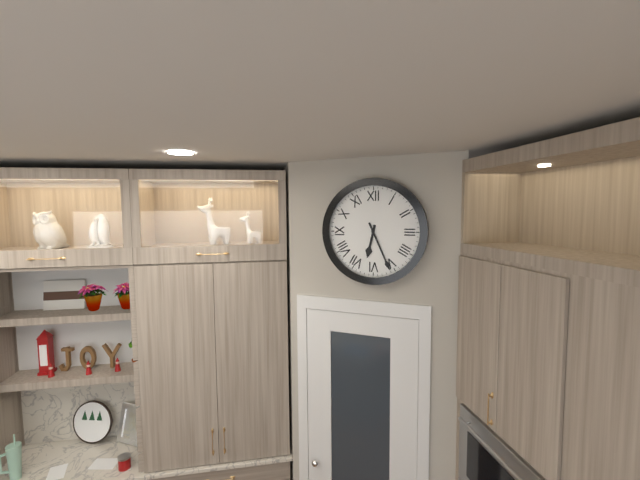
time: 6:26
